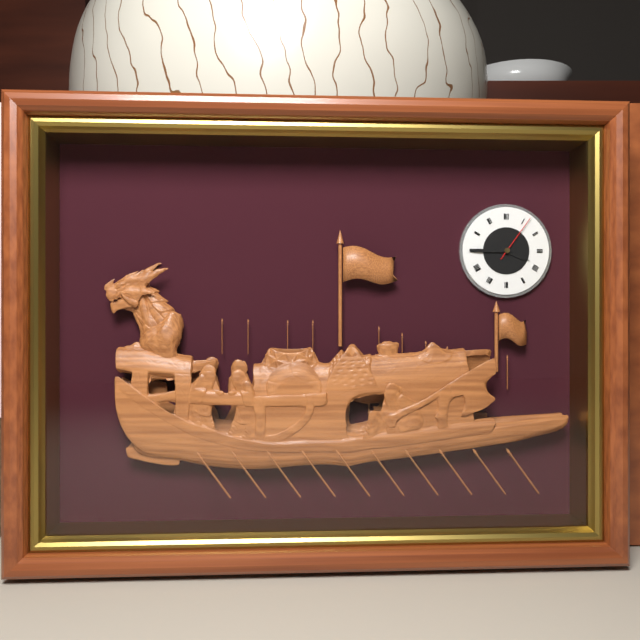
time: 3:45:06
